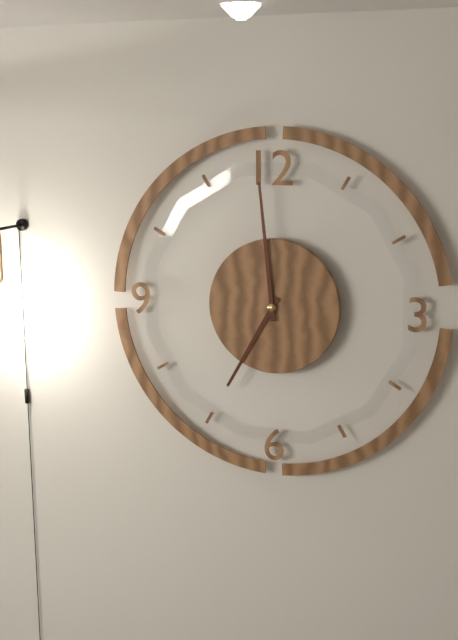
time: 6:59
